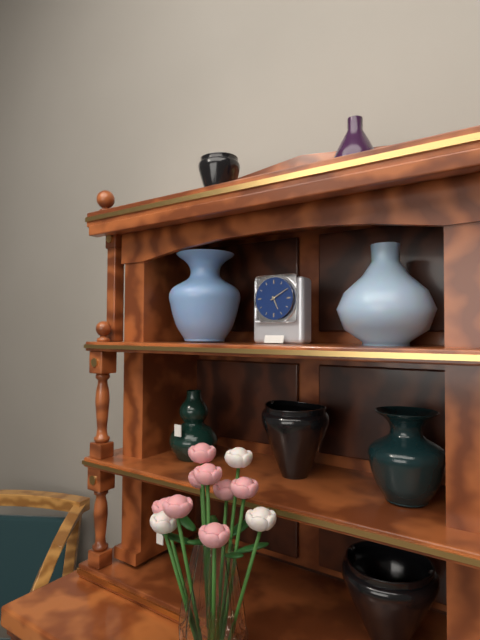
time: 5:10
